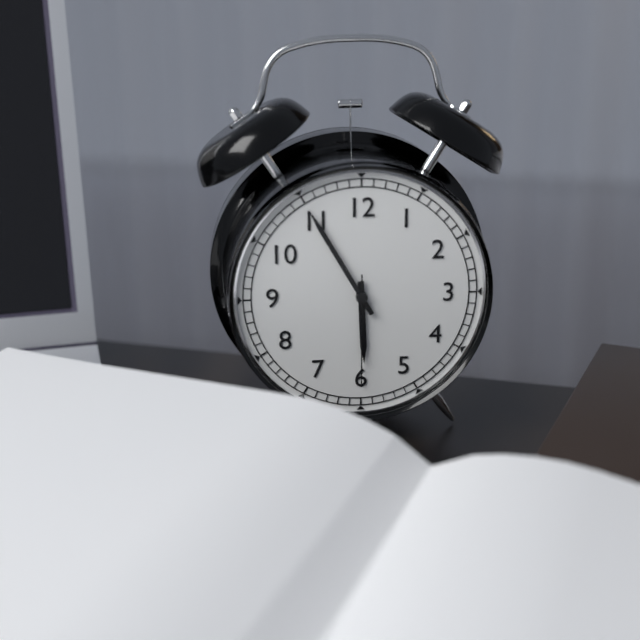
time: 5:55:30
